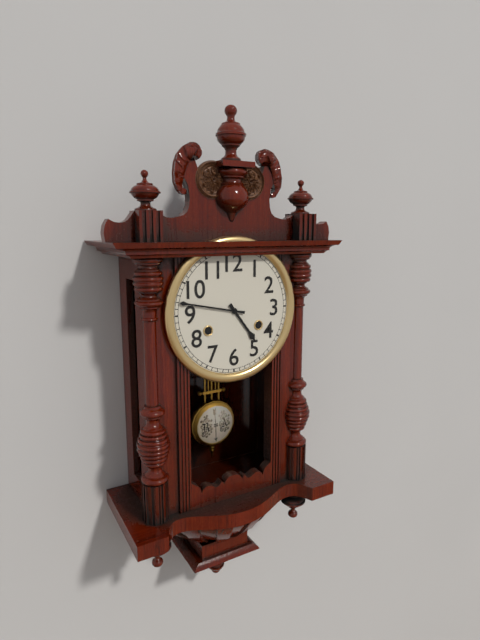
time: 4:47
